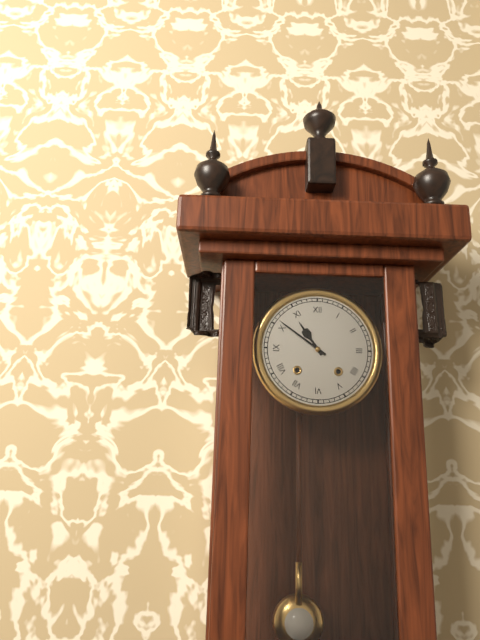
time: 10:51
